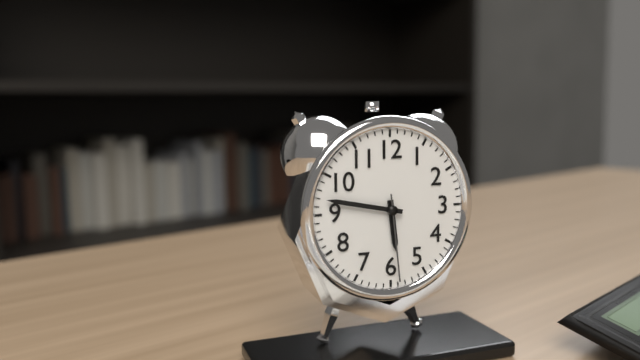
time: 5:47:29
